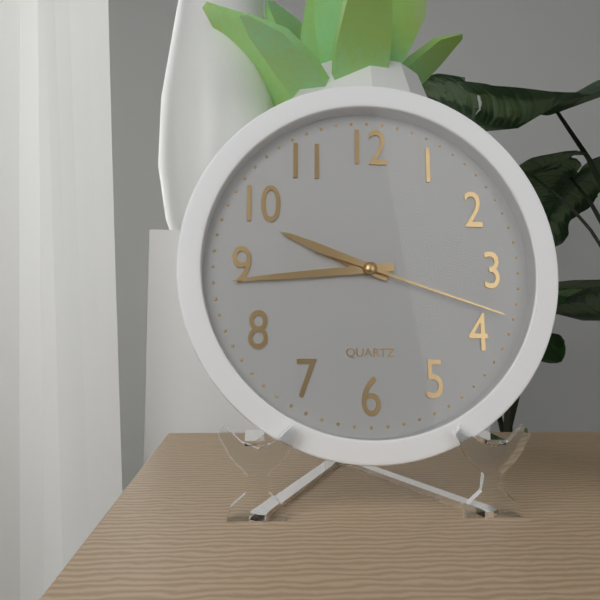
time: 9:44:18
